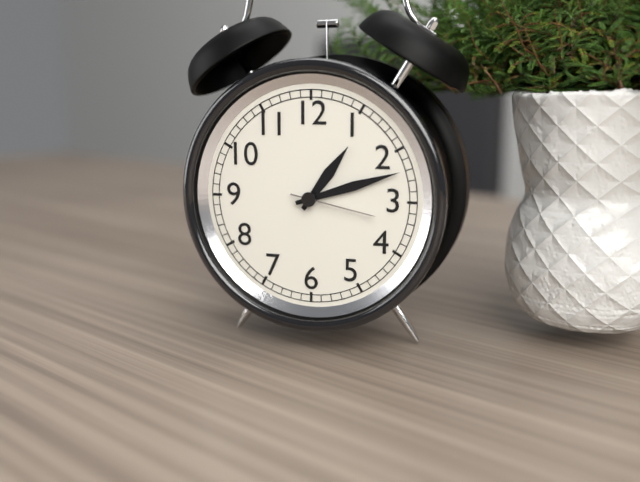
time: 1:12:17
